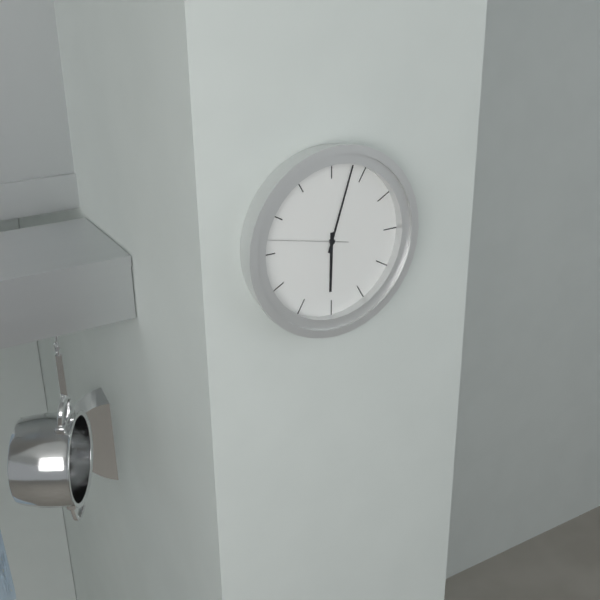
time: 6:03:47
